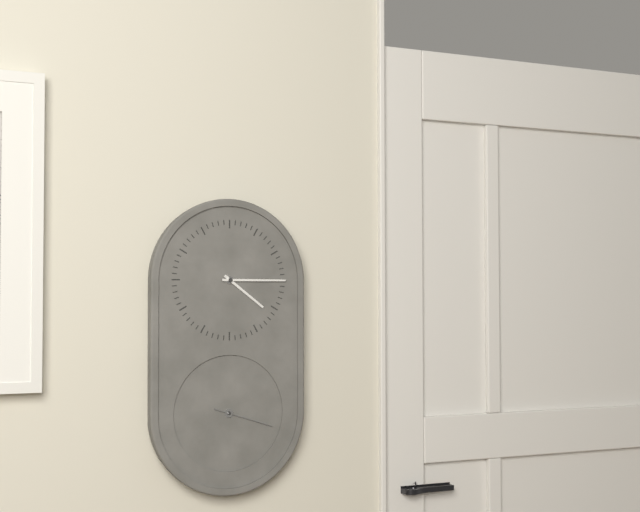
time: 4:15:18
